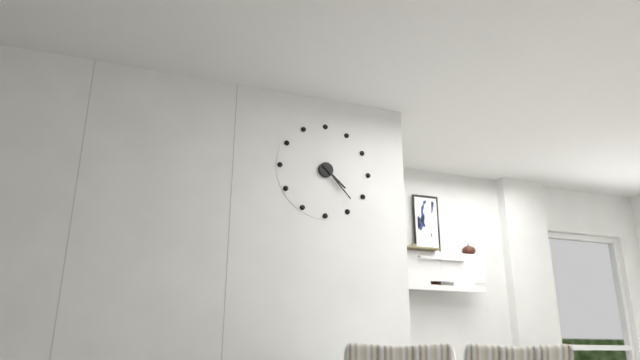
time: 4:23
